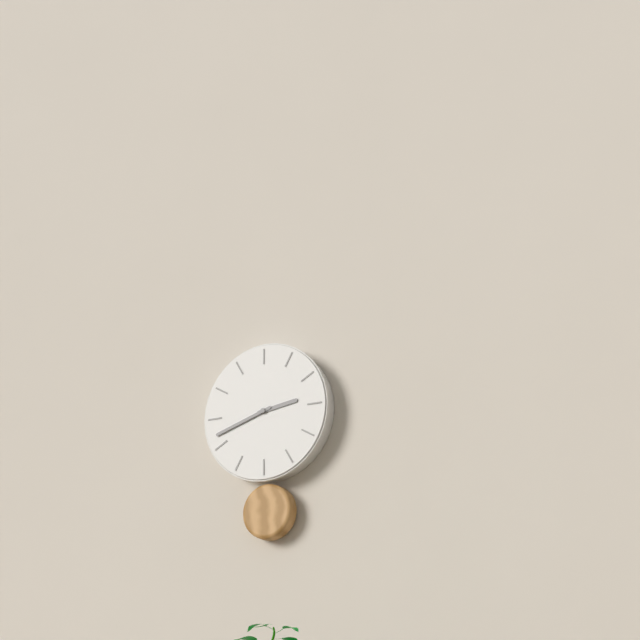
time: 2:42
